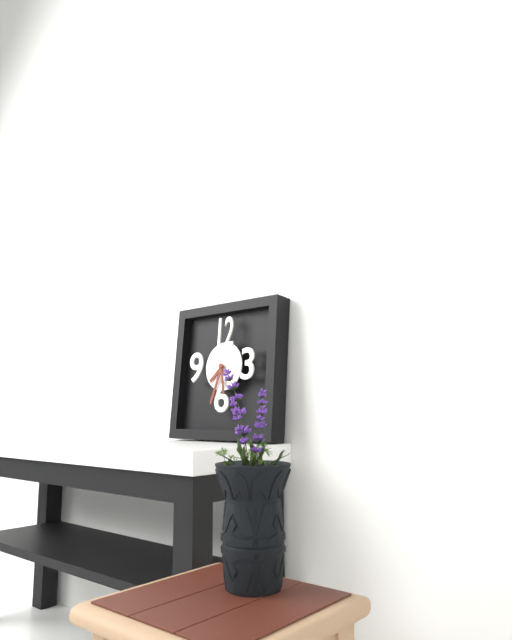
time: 7:33
